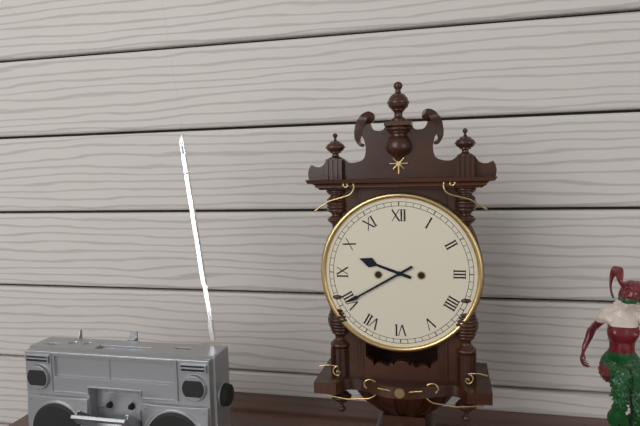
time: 9:40
